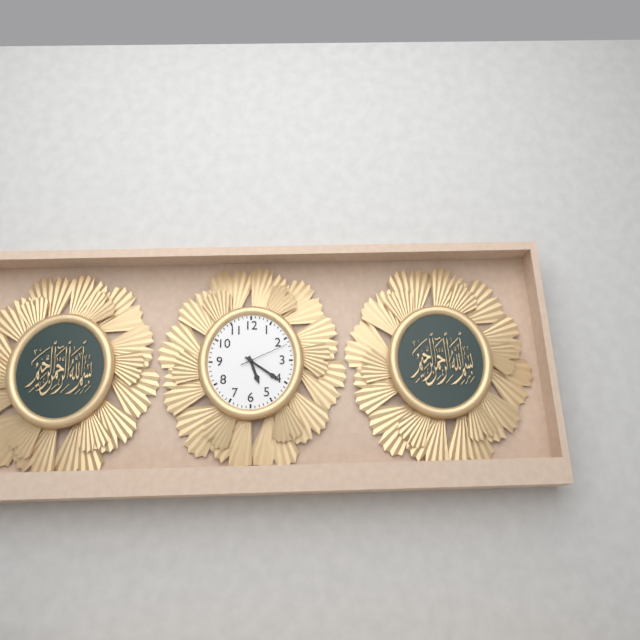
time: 5:21
